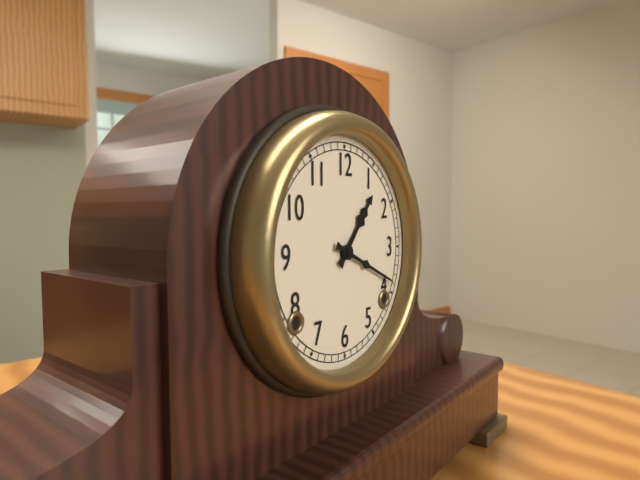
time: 1:19
